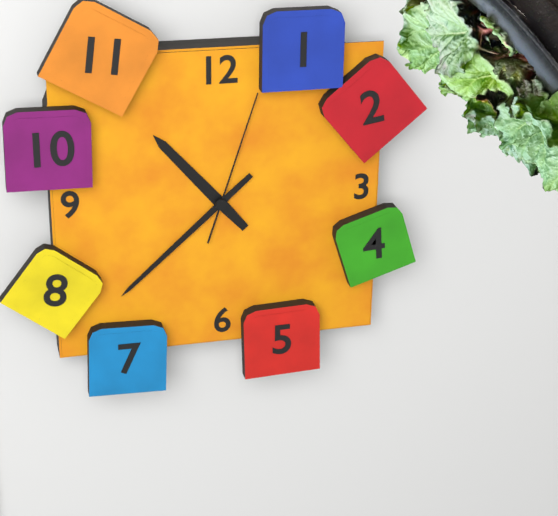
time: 10:38:03
